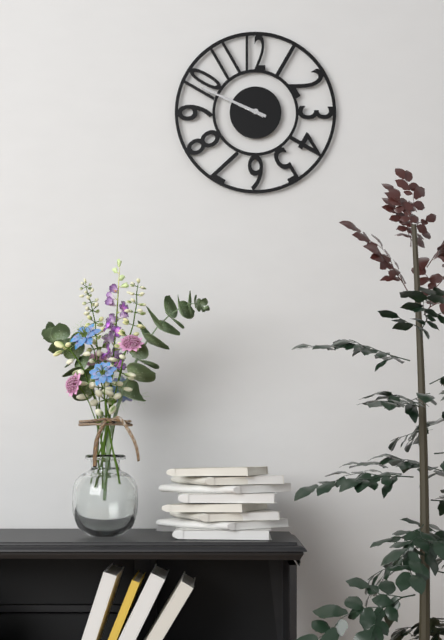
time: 9:49
